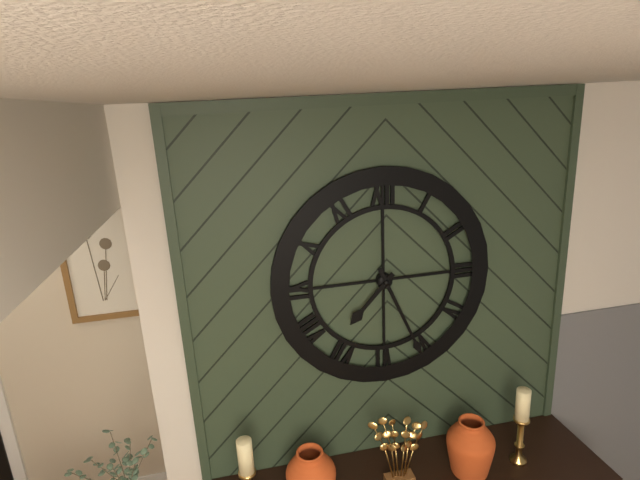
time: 7:26
